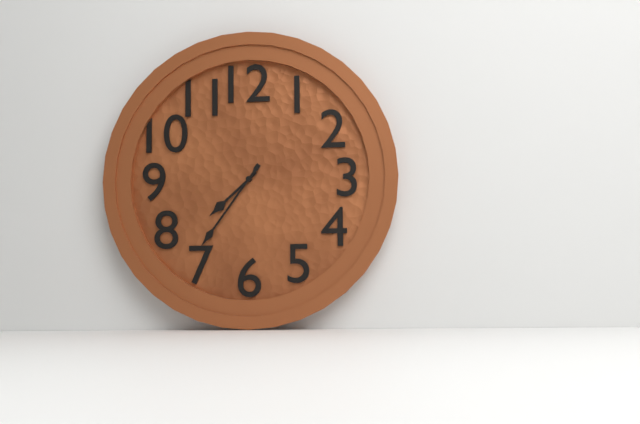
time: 7:36
